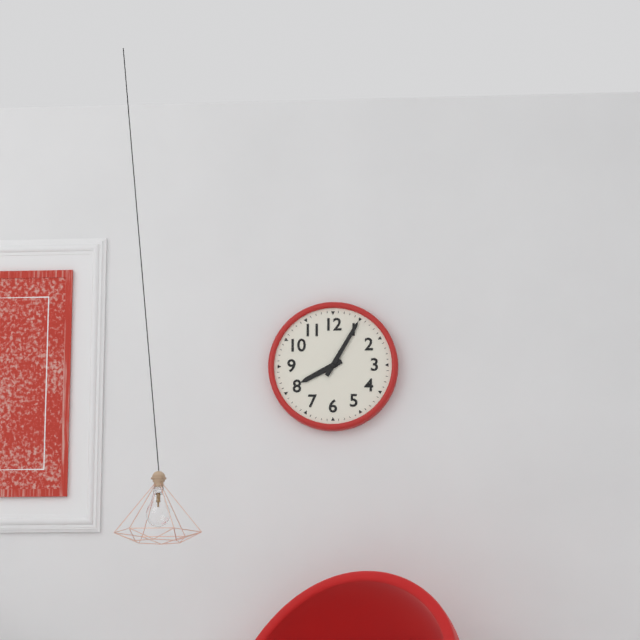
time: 8:05
